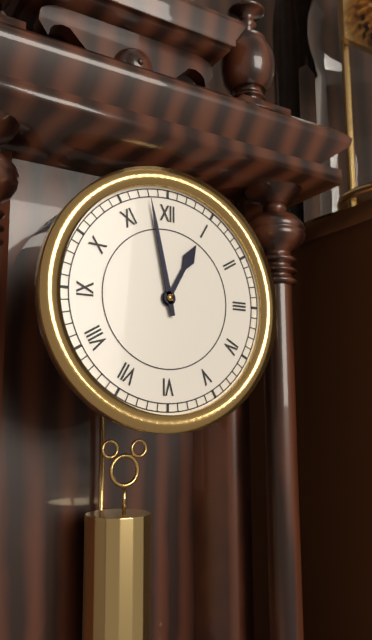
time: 12:58
